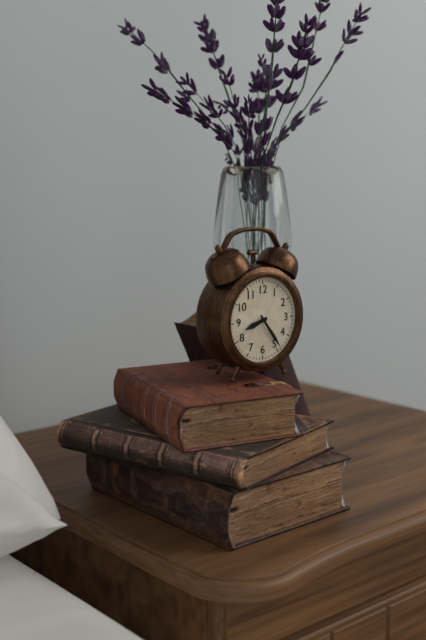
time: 8:24
